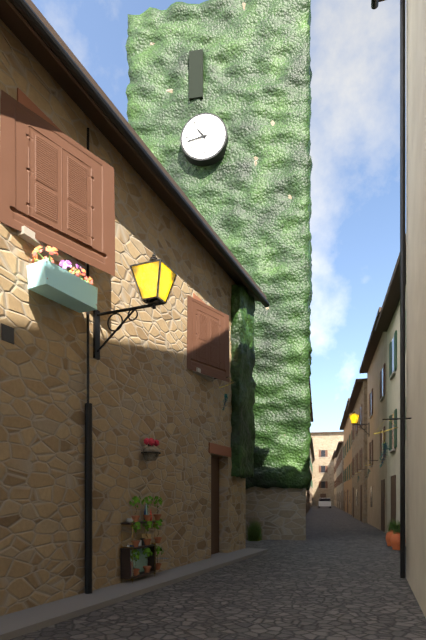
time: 10:43
